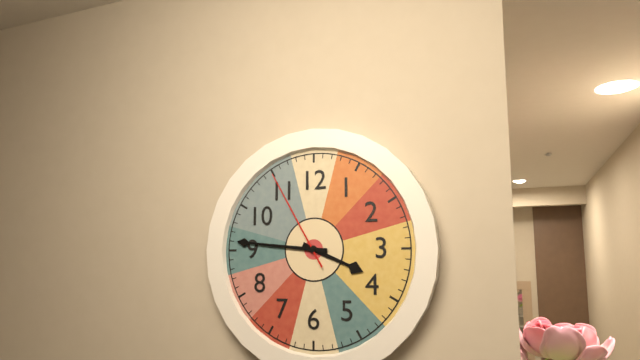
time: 3:46:55
